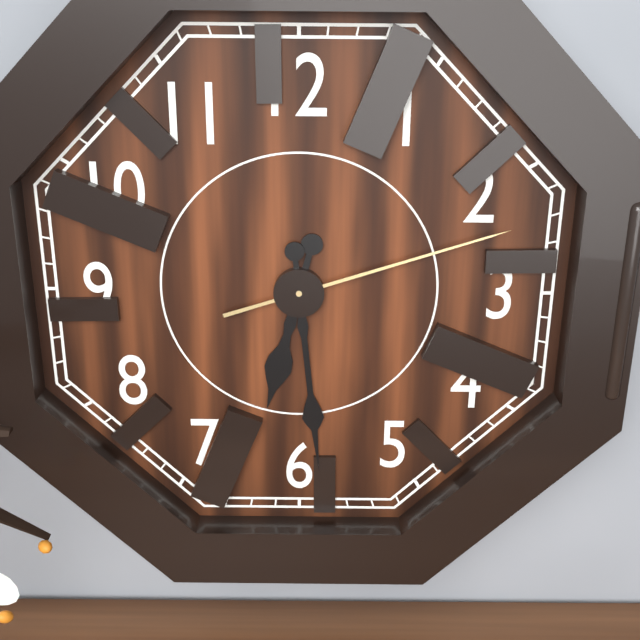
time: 6:29:12
